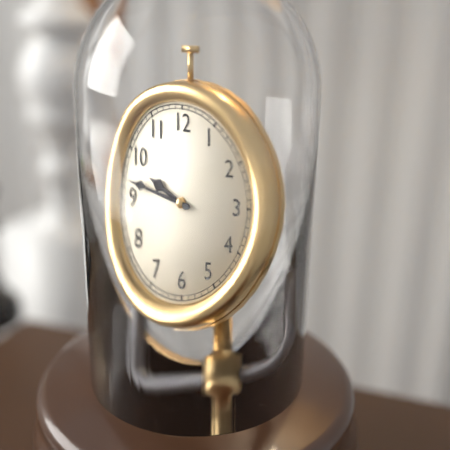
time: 9:47
